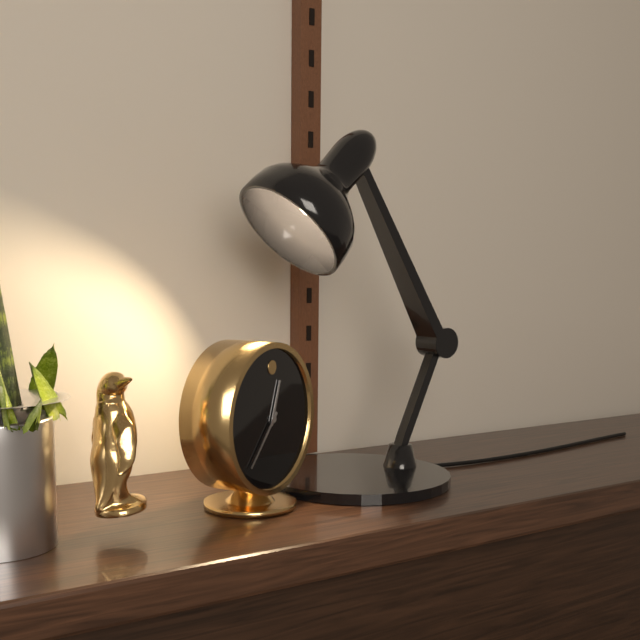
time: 12:37
